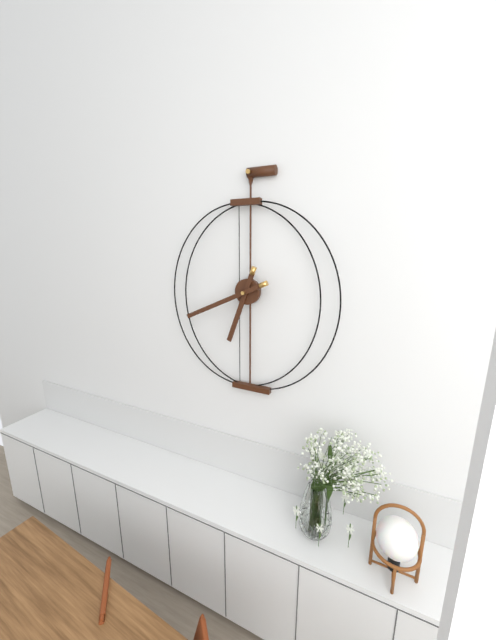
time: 6:41
